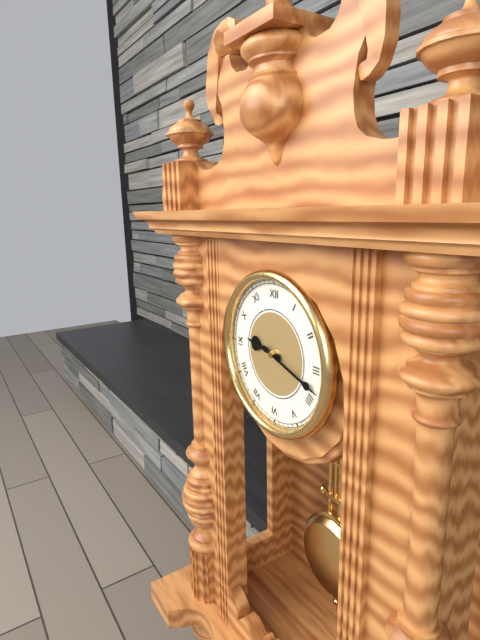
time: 9:18
